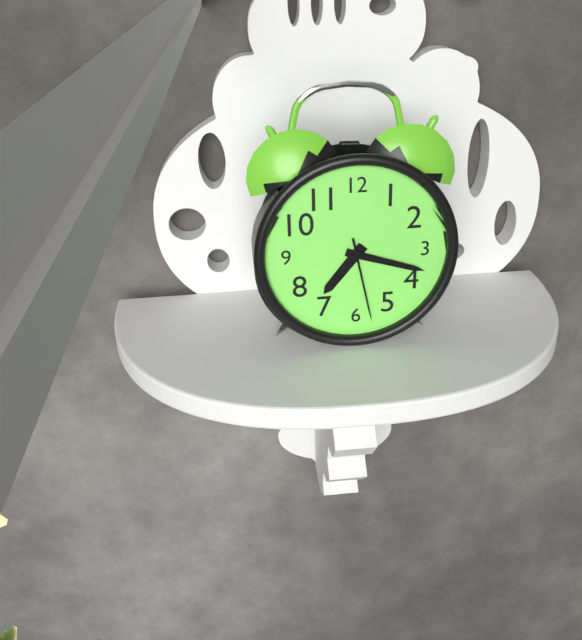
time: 7:18:28
